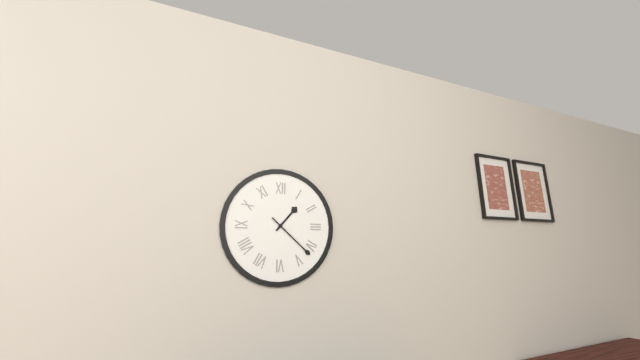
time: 1:22
